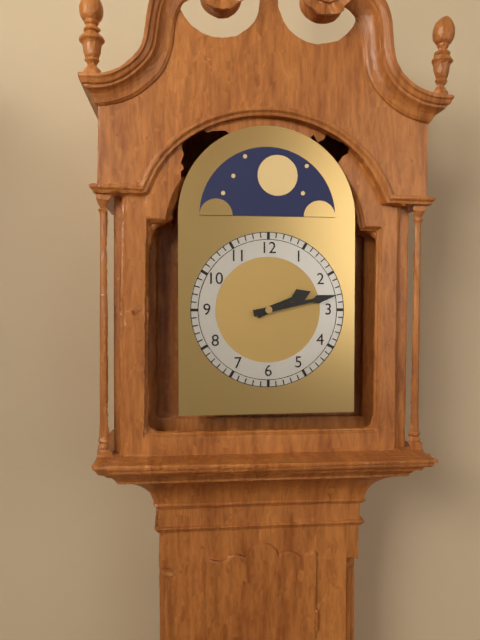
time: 2:13
